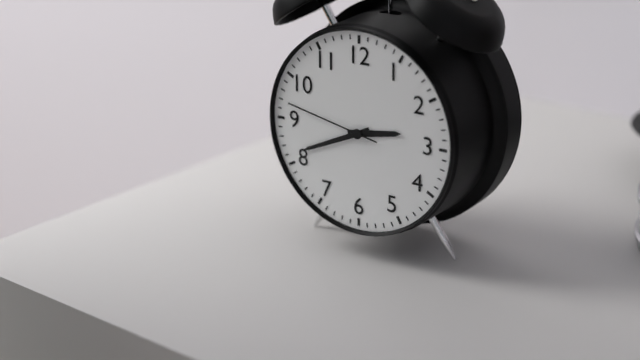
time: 2:41:47
